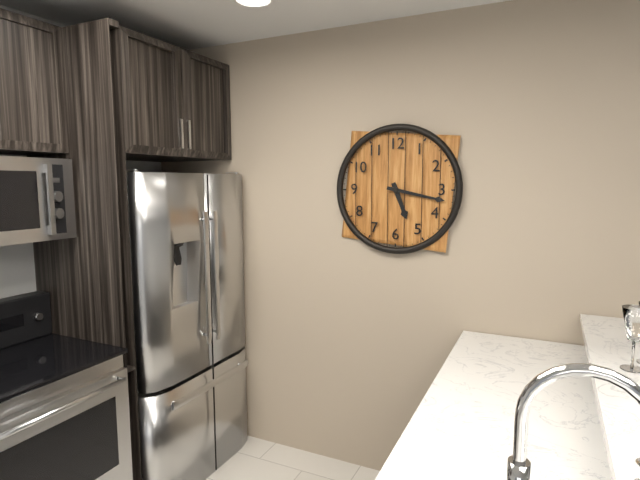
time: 5:17
